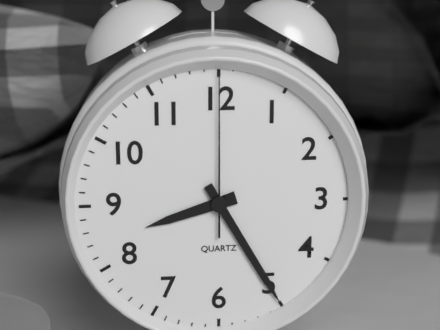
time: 8:25:00
